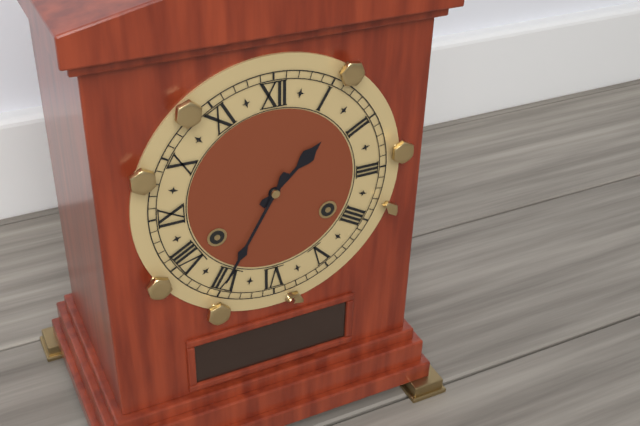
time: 1:35
